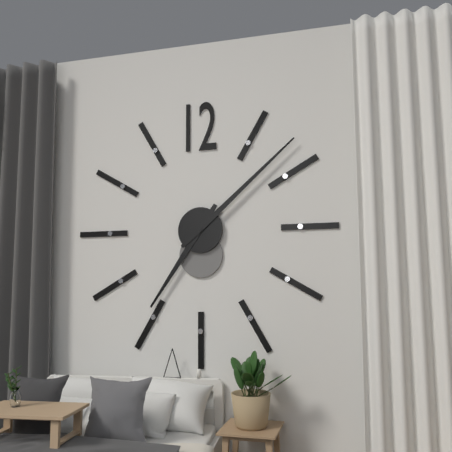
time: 7:08
